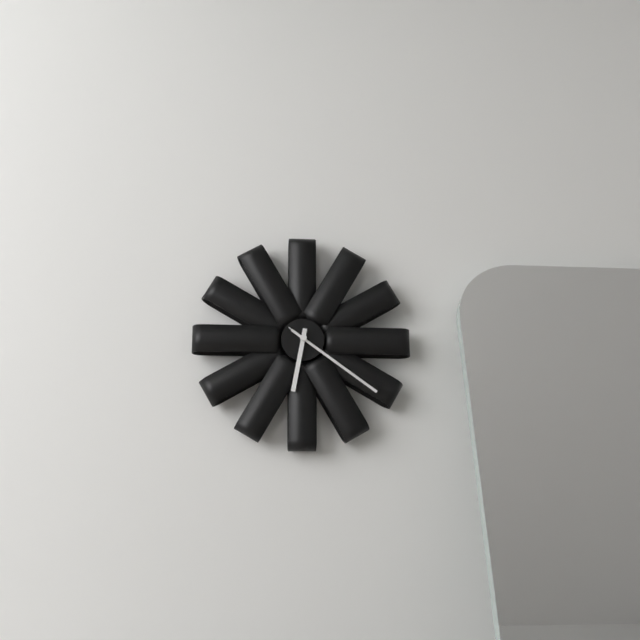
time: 6:21:21
